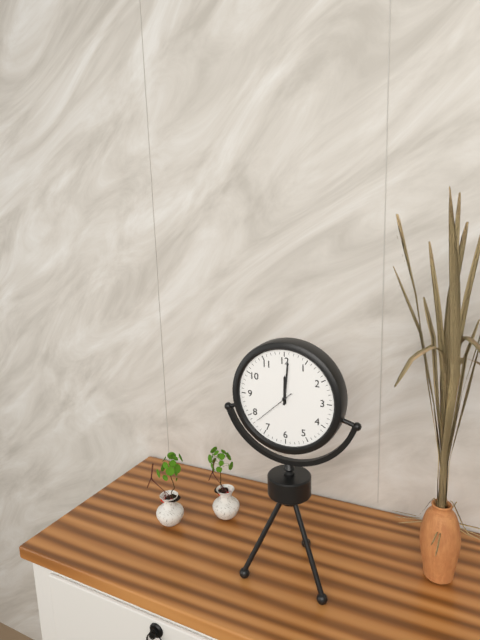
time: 12:01
